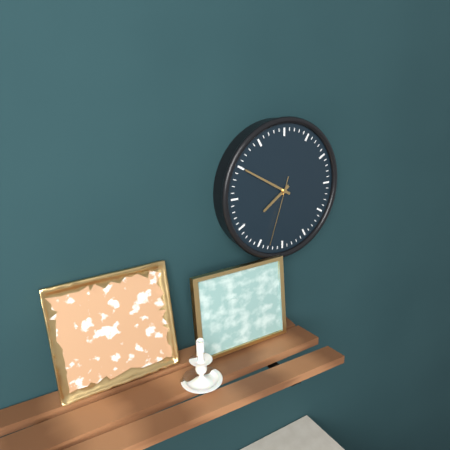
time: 7:50:33
